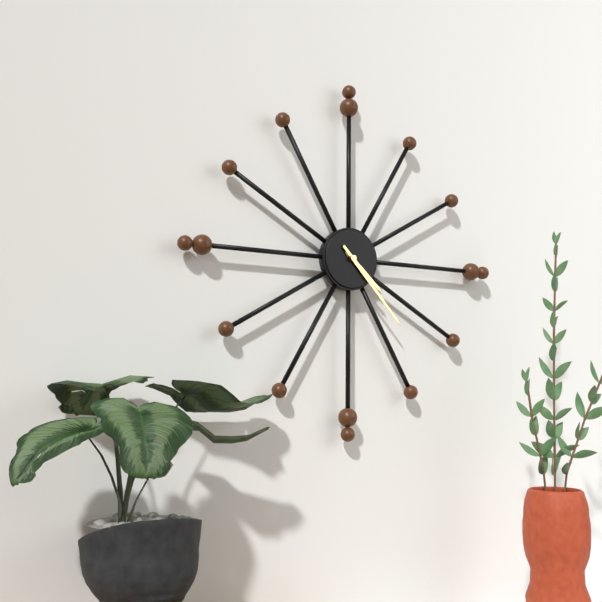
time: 4:23
